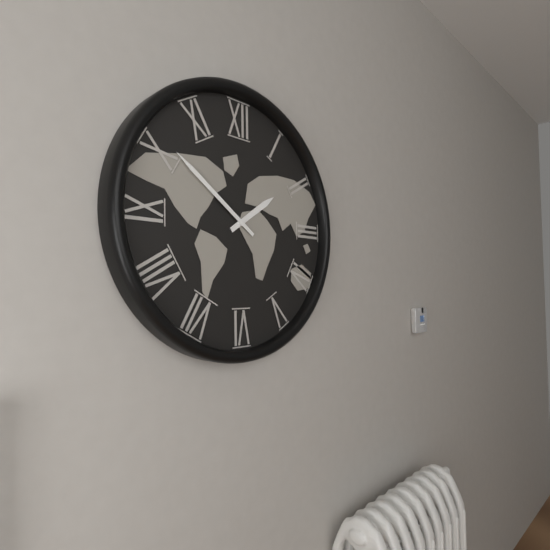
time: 1:51
